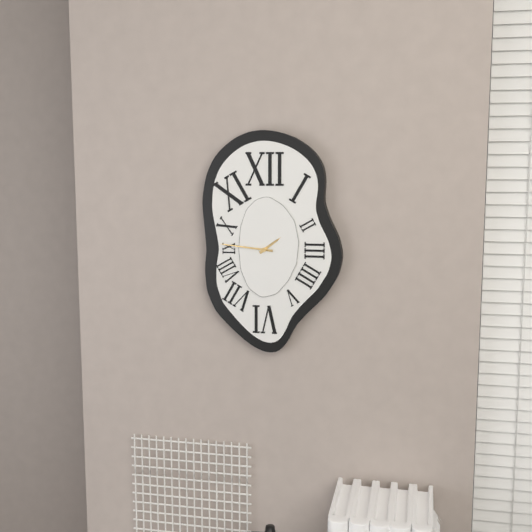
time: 1:46
